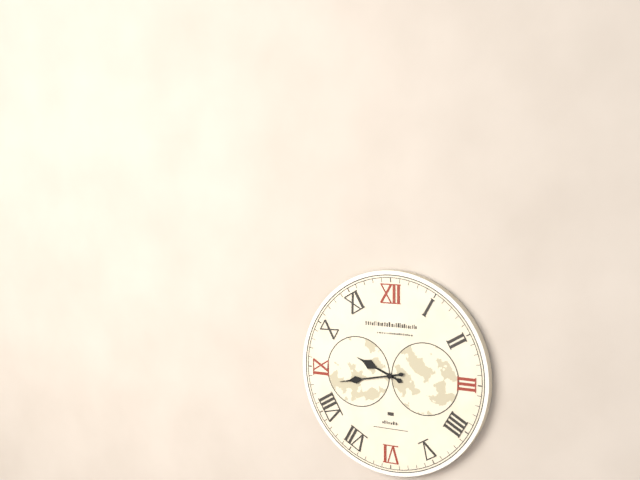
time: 9:43
